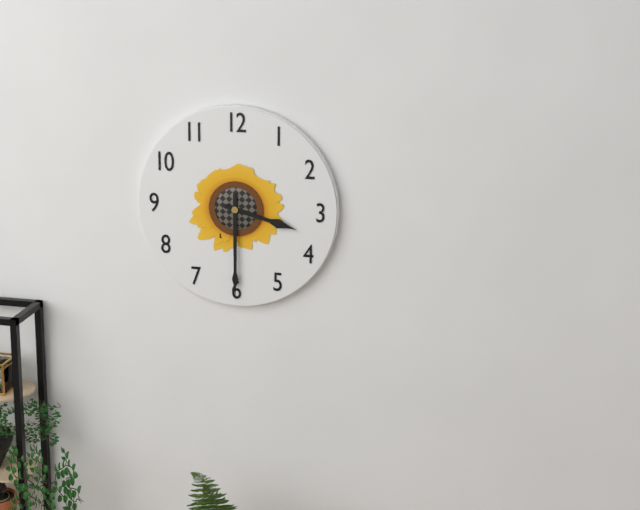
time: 3:30
